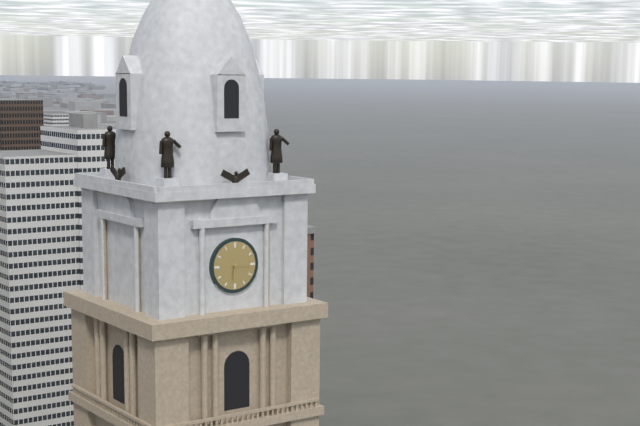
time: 6:16
